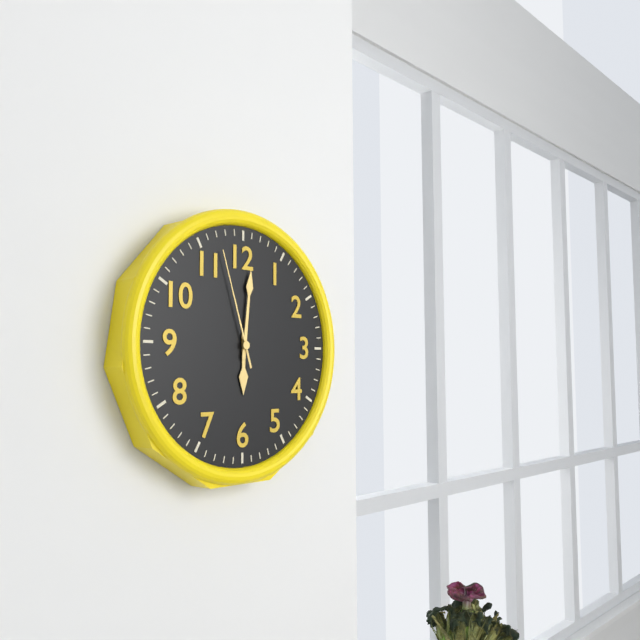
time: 6:01:57
